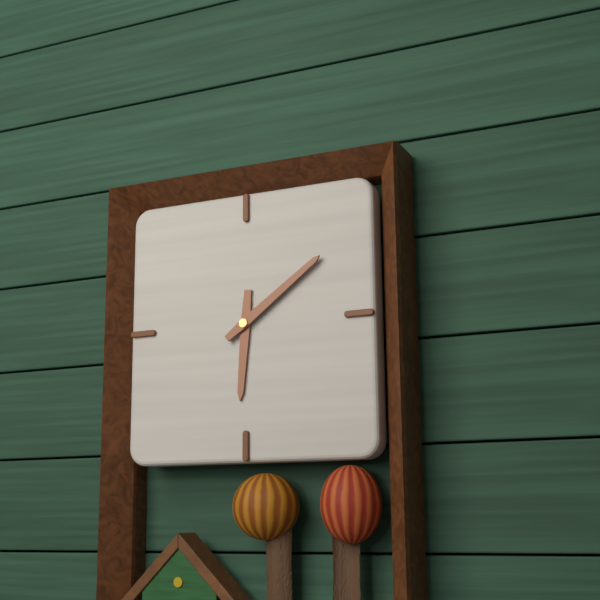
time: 6:09
